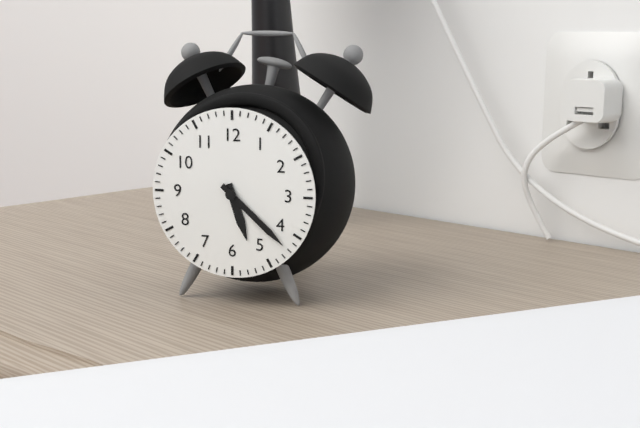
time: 5:22
